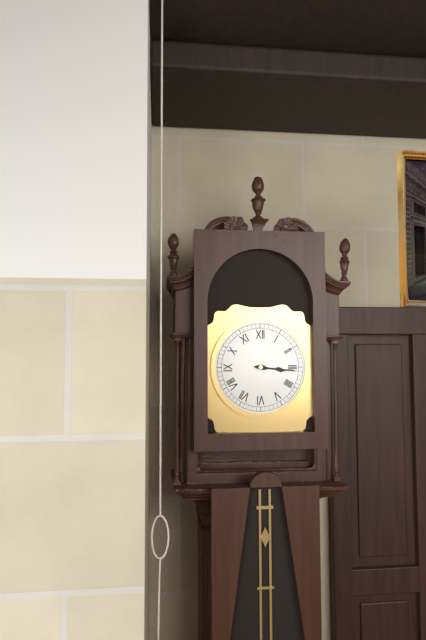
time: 3:16
